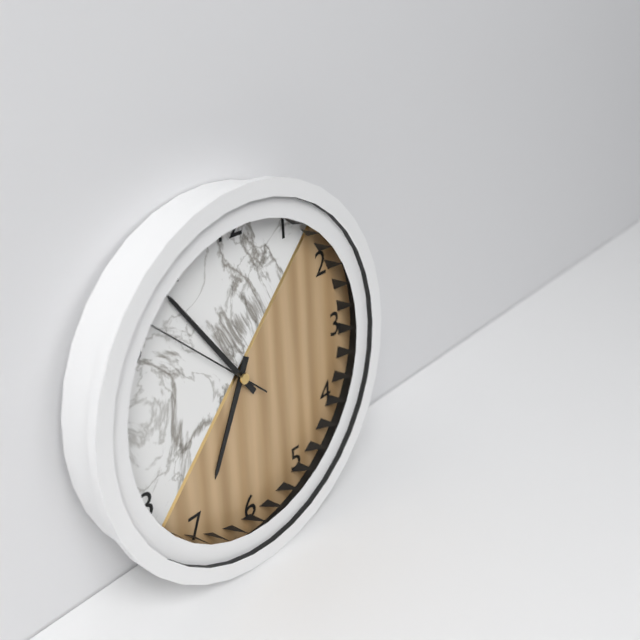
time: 6:54:52
